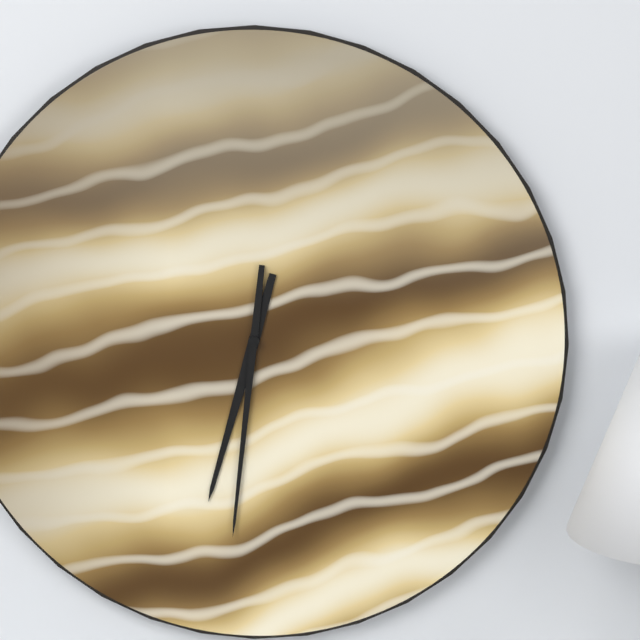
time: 6:31
